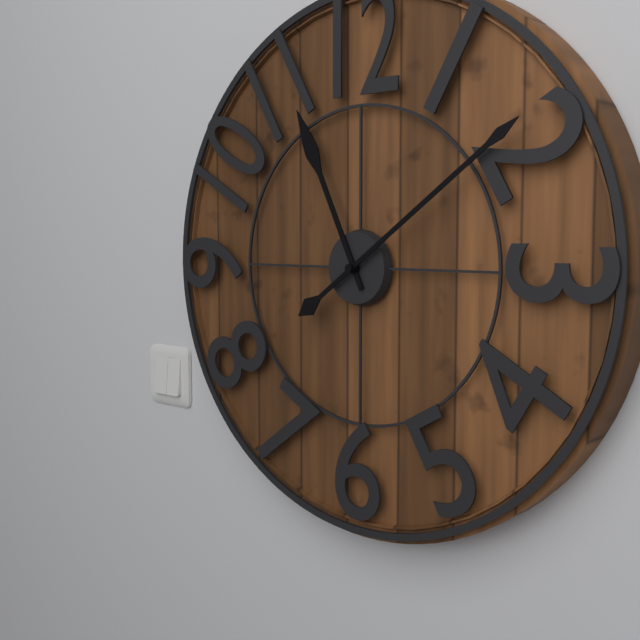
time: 11:09
